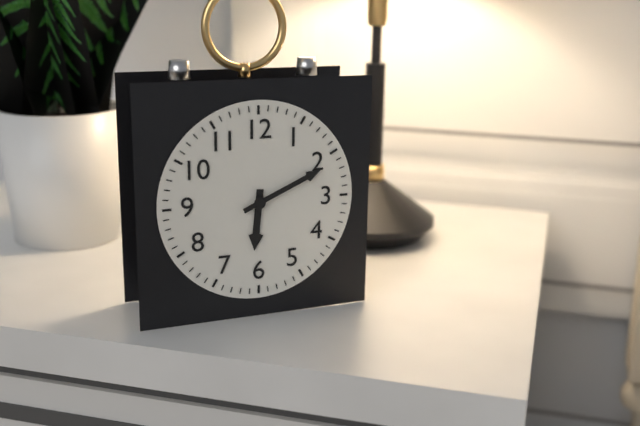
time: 6:11
